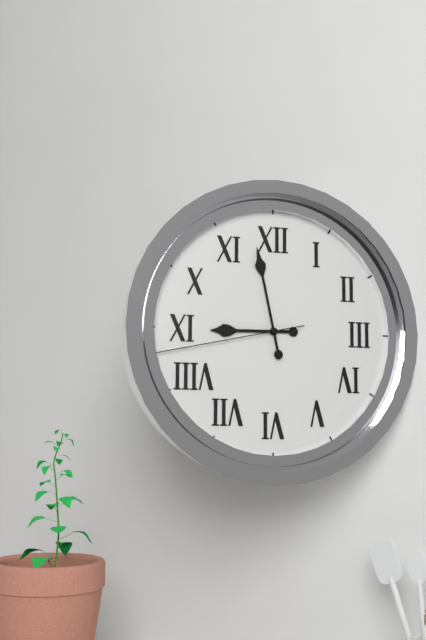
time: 8:58:43
